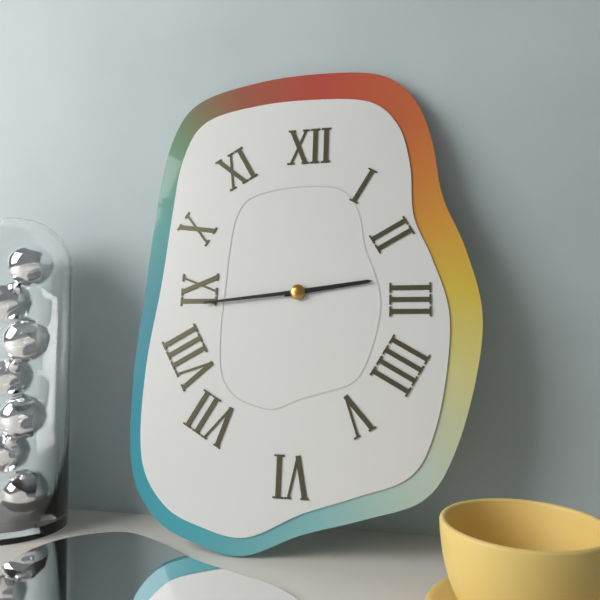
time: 2:44
